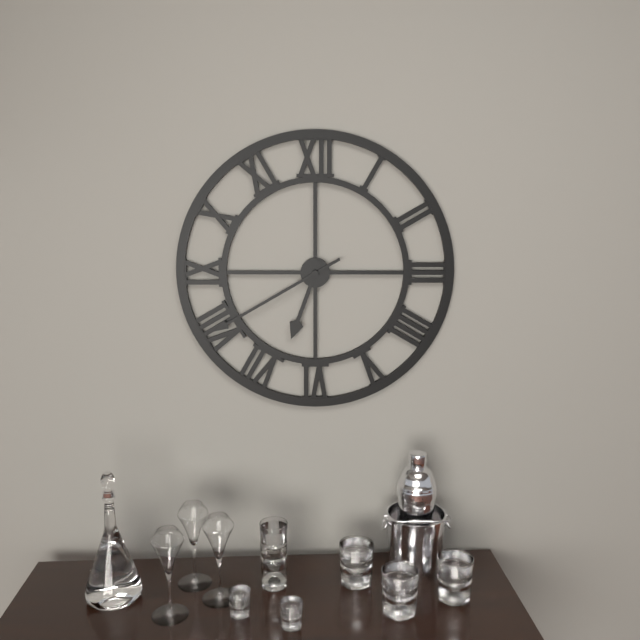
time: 6:40
